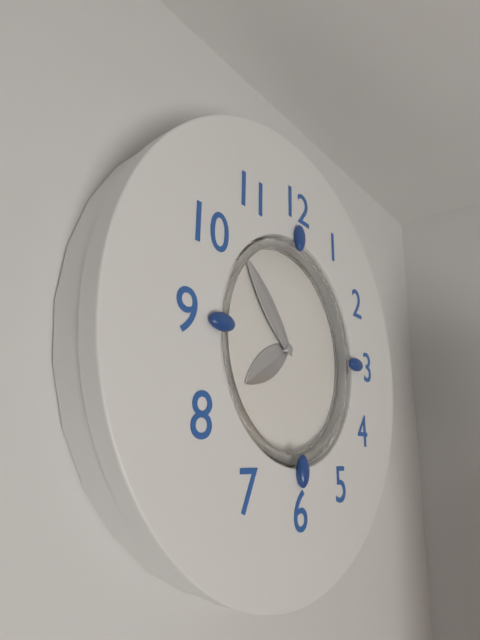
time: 7:53
